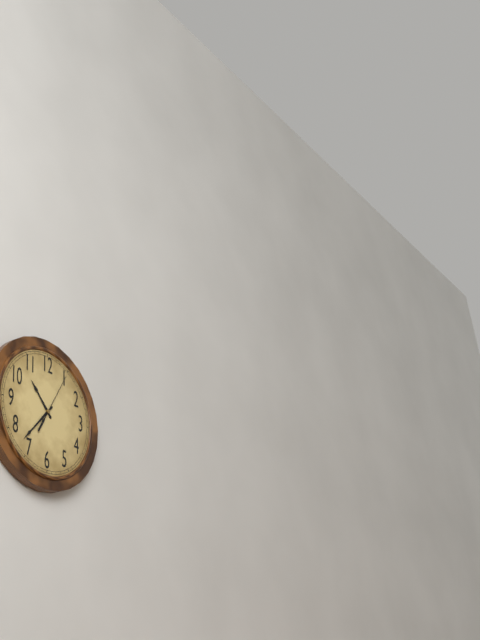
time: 10:37
